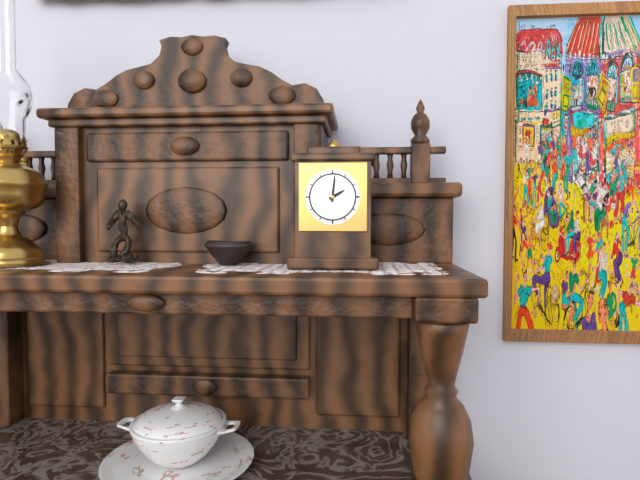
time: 2:01
